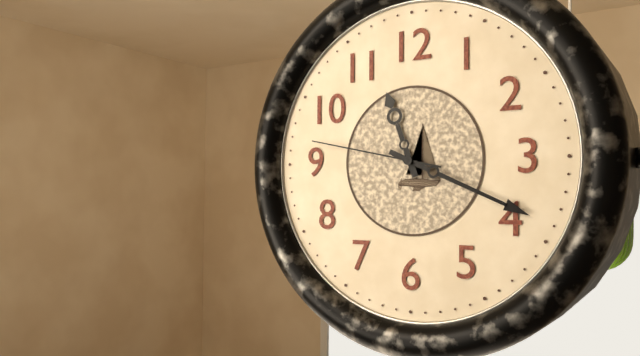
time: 11:19:47
